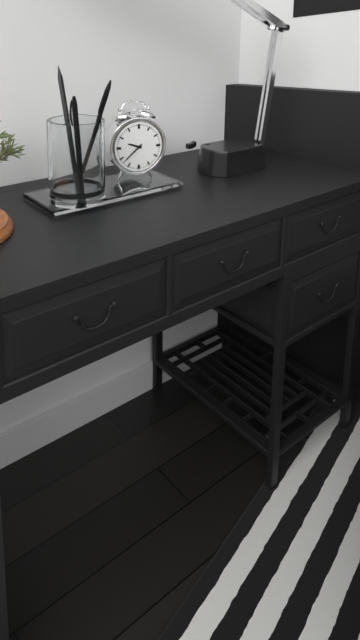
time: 9:38
